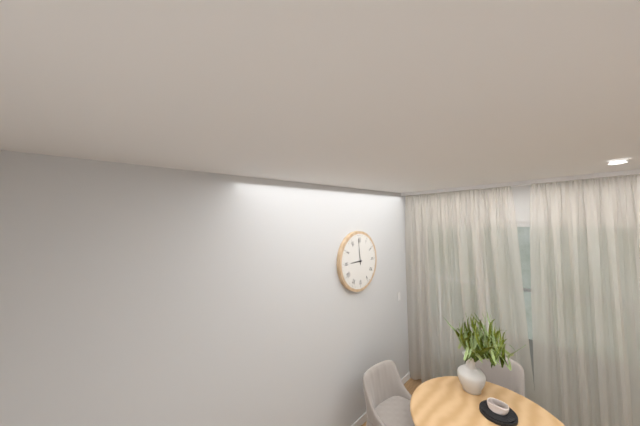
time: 8:59
